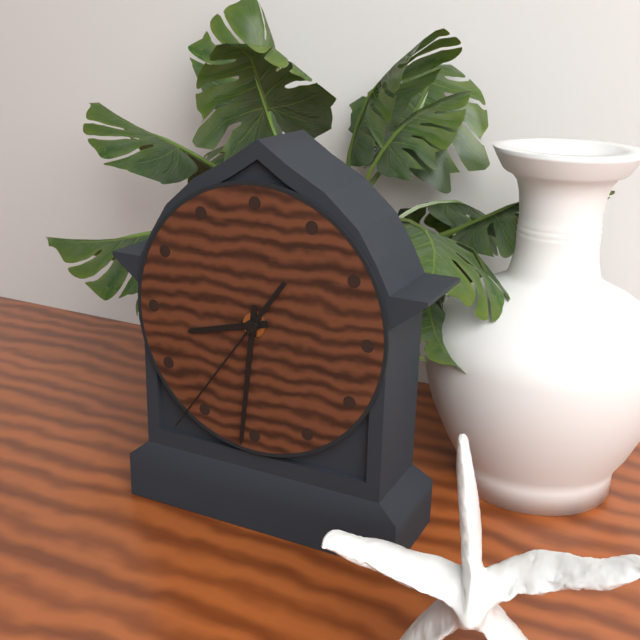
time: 8:31:36
